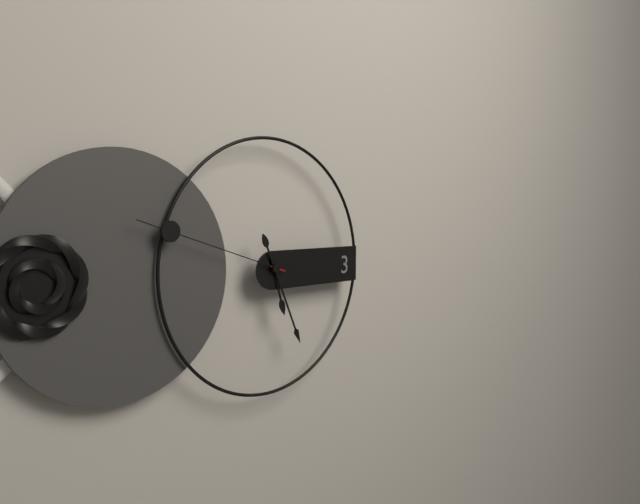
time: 5:26:48
